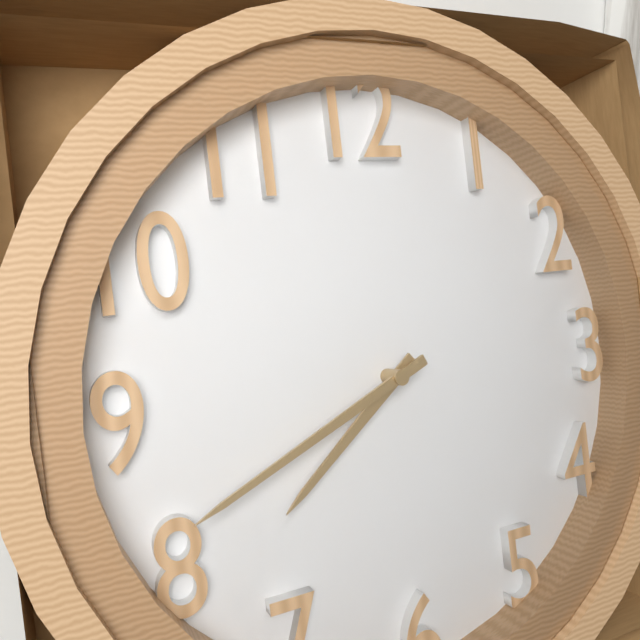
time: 7:41
